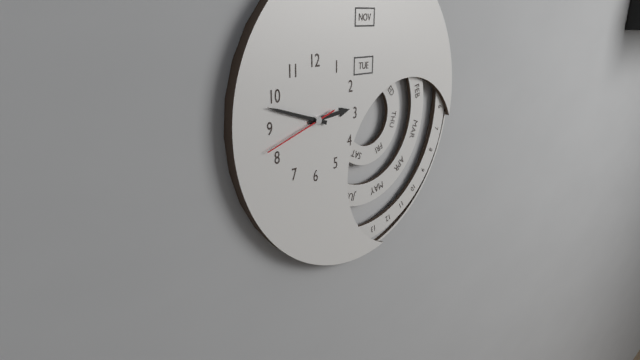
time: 2:48:42
